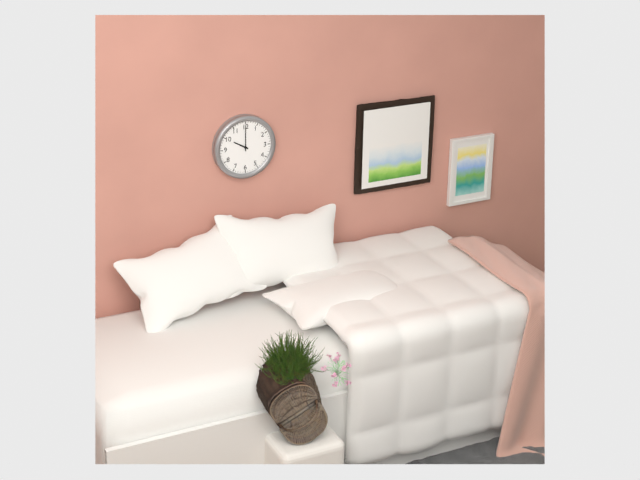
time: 10:00
